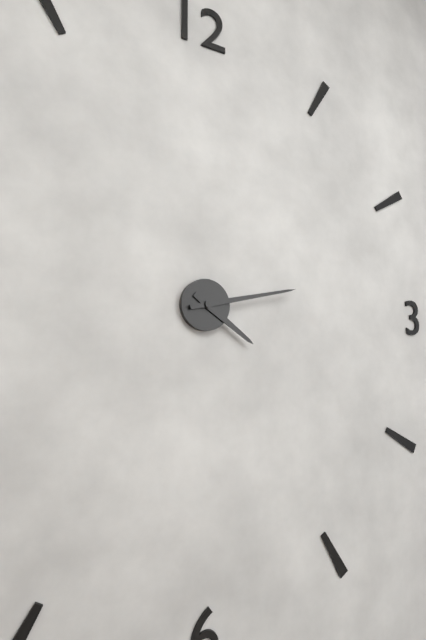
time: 4:13
